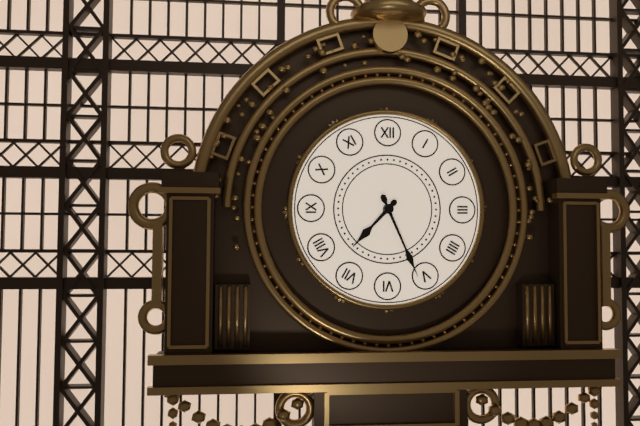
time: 7:26
